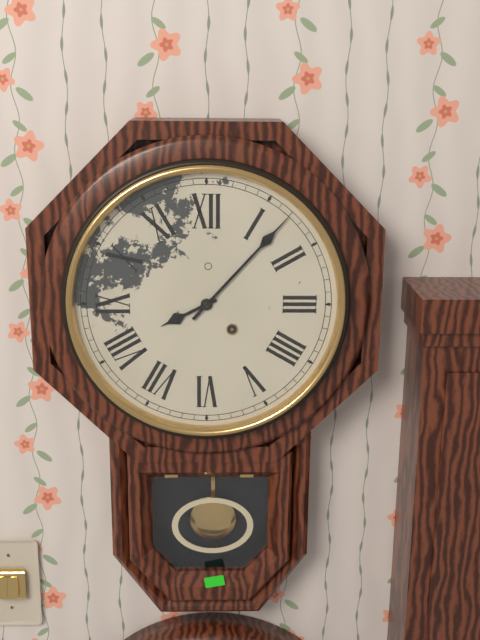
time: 8:07
